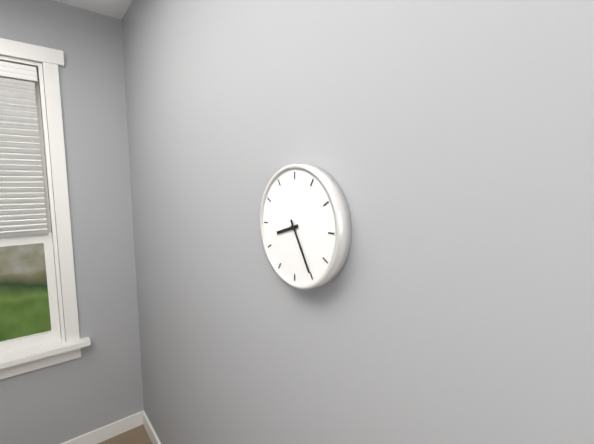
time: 8:25
